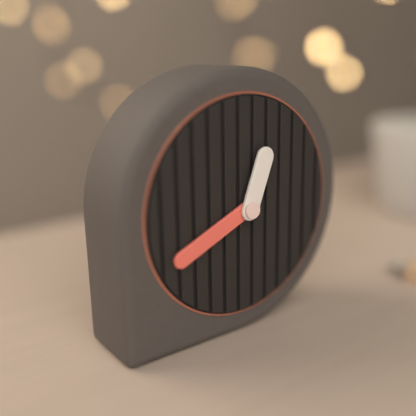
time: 12:41
